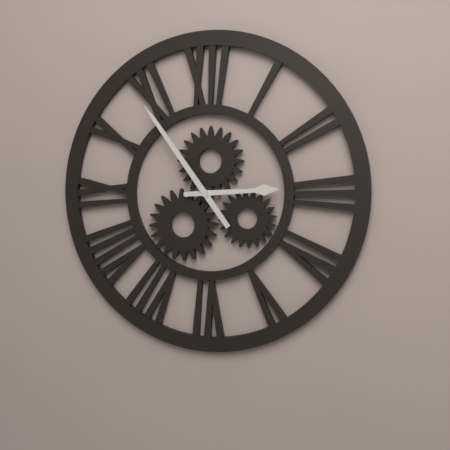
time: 2:54
